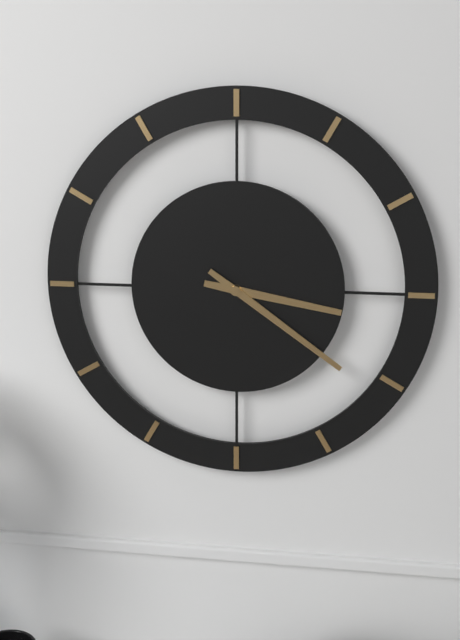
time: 3:21
